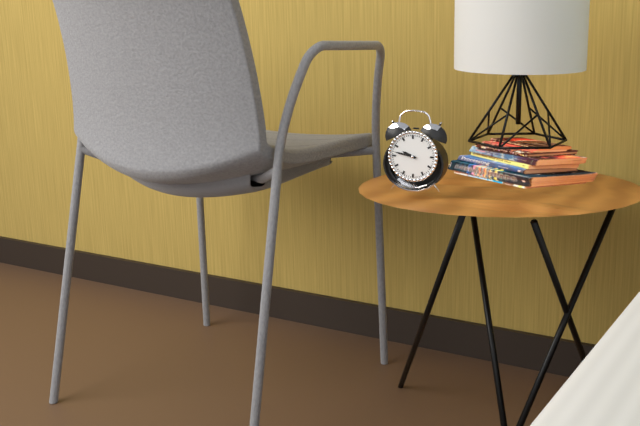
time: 9:47
